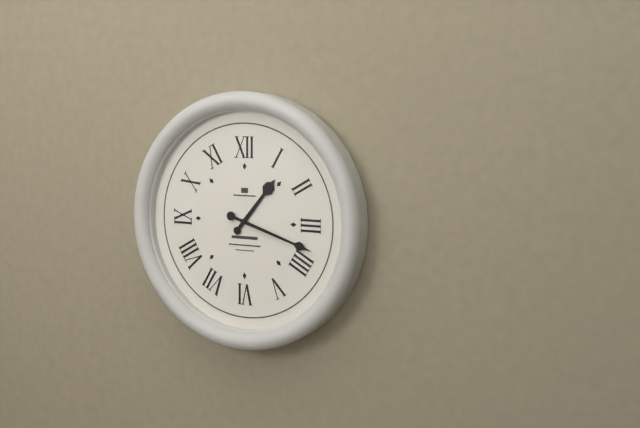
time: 1:18
